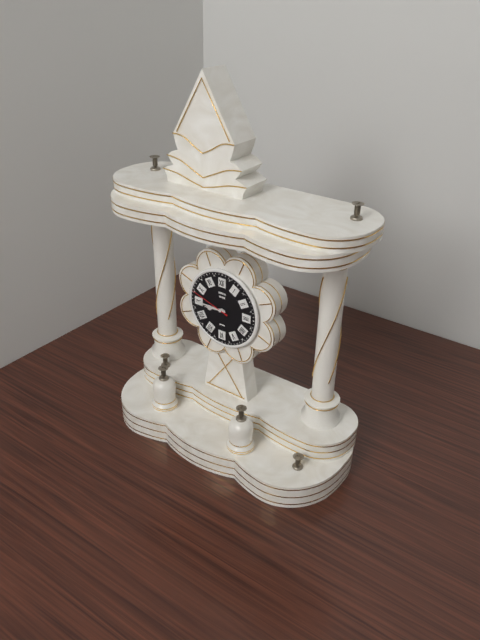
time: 8:45
